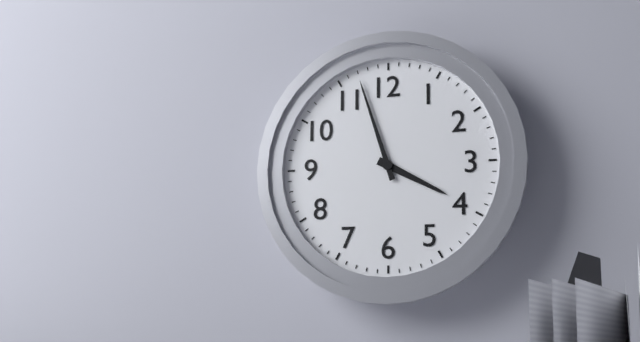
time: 3:57
